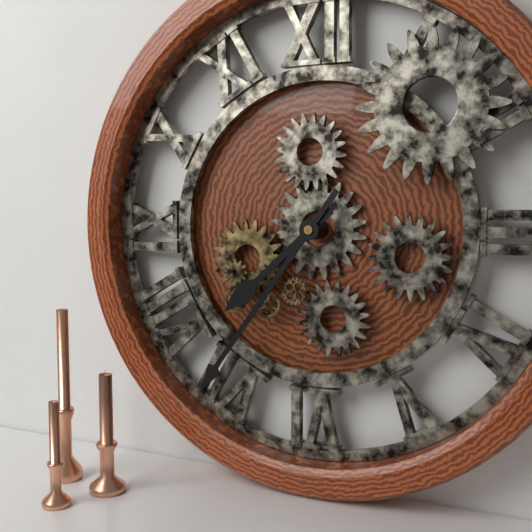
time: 7:36
